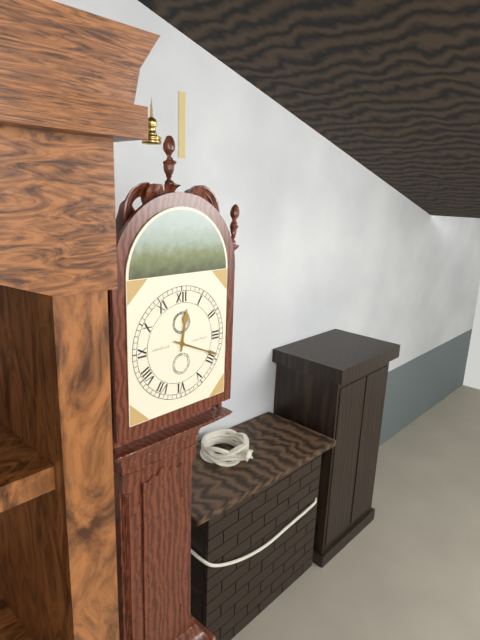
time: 12:19
